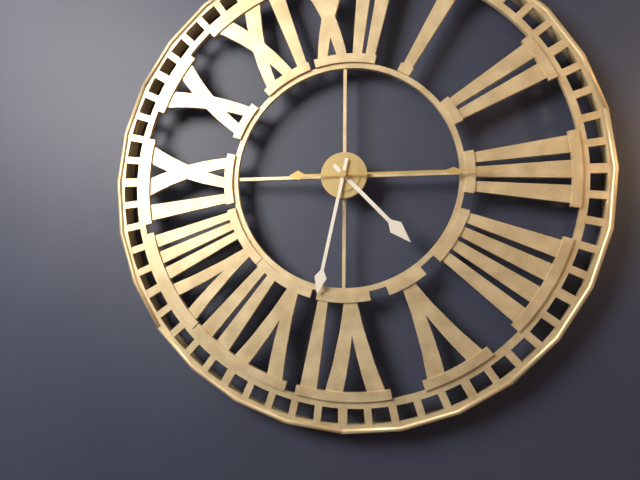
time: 4:32:15
